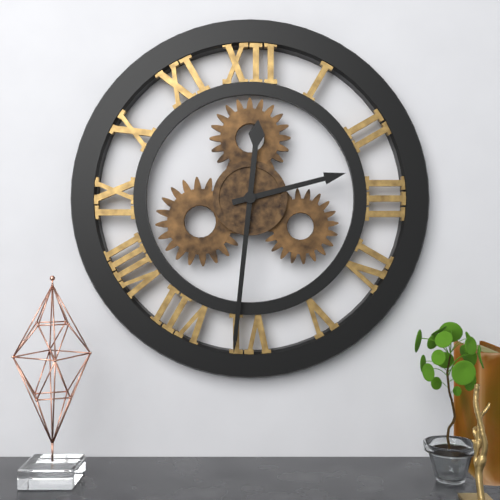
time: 2:31
